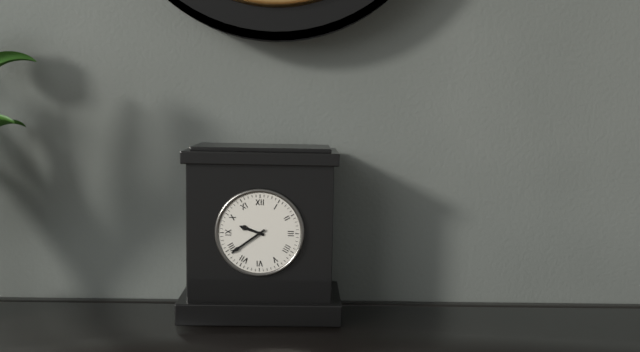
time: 9:39
